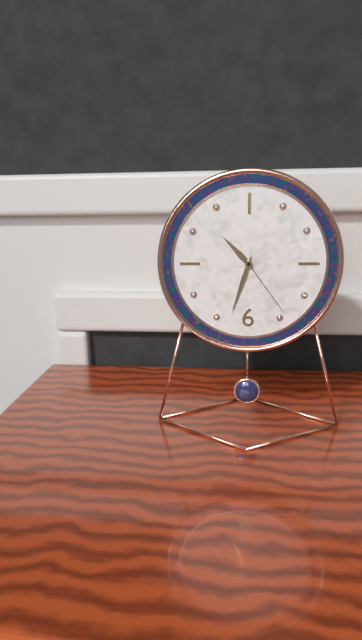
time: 10:33:24
